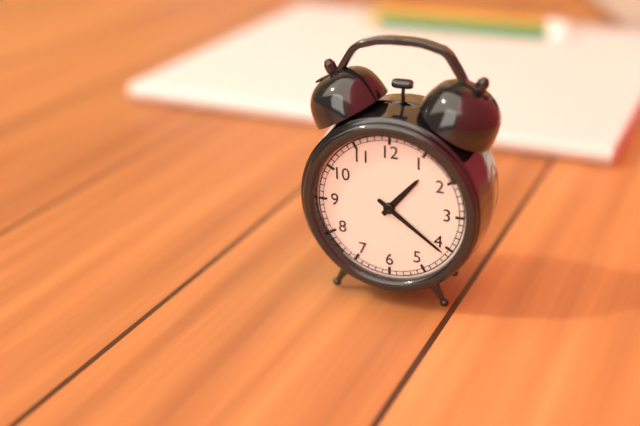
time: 1:21
